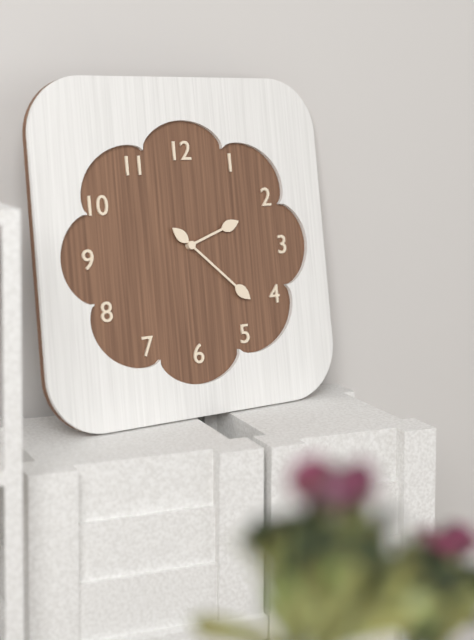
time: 2:22
